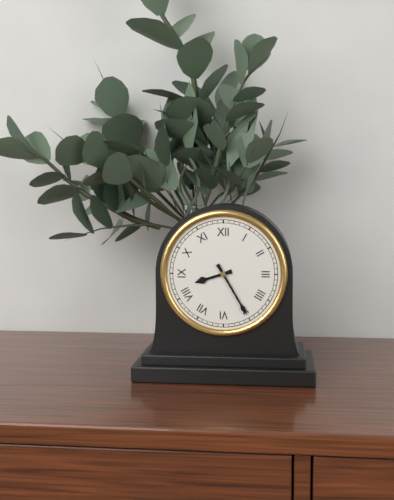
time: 8:25
